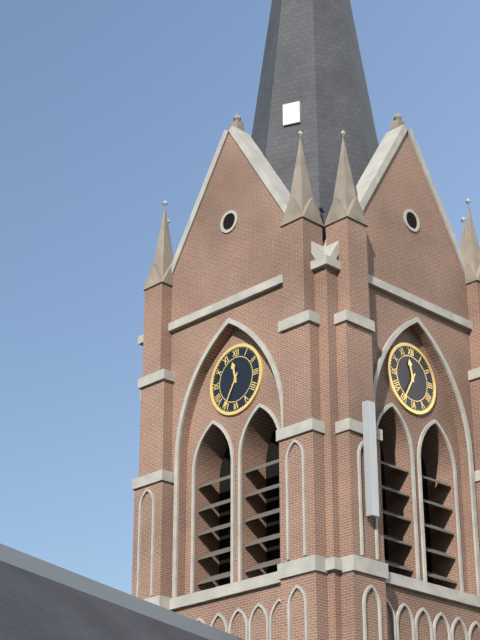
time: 11:35
